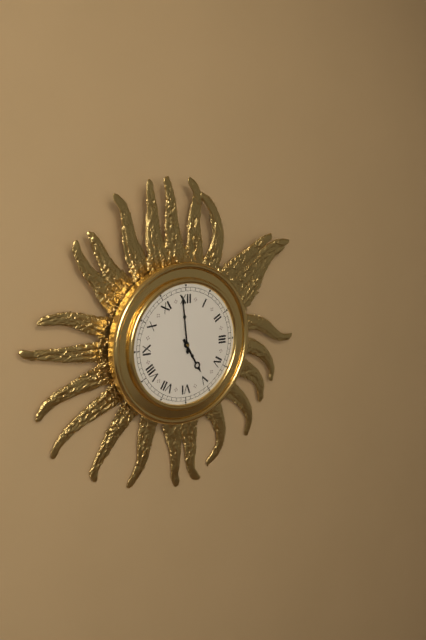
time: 4:59
